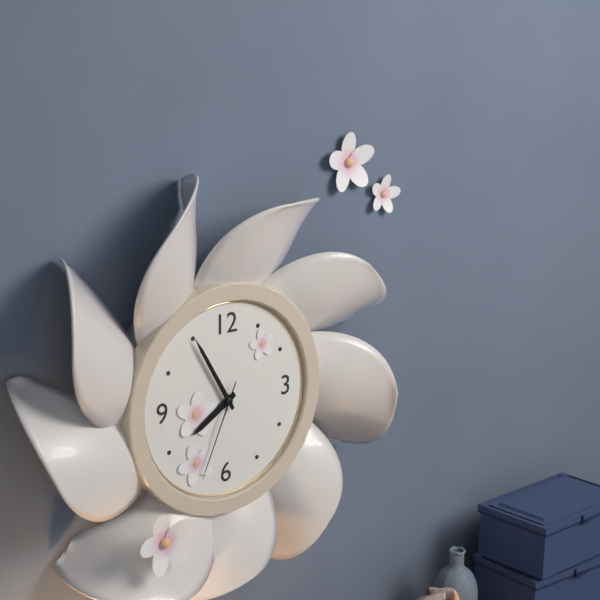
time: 7:55:34
